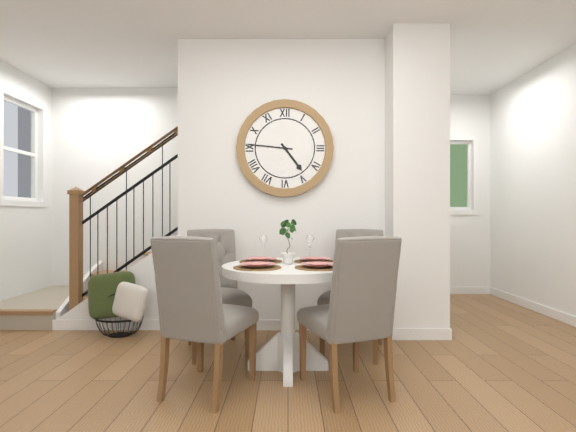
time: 4:46
